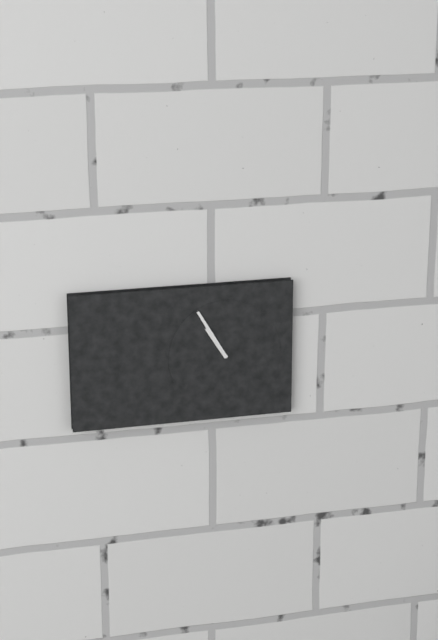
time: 10:55
